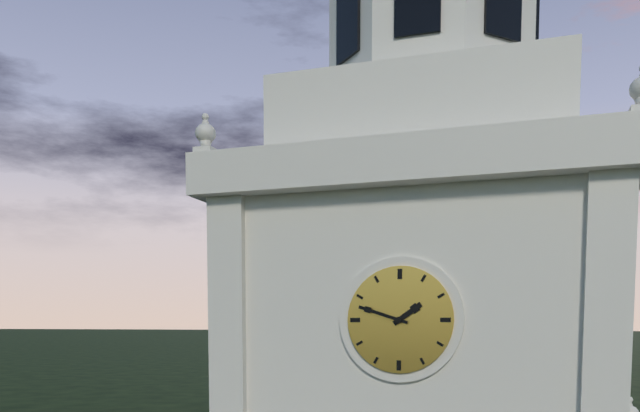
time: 1:48
